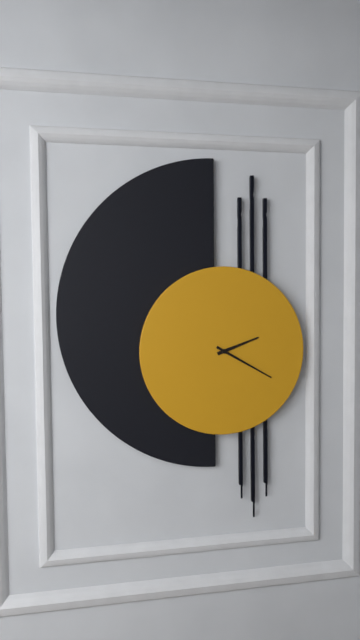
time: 2:20
